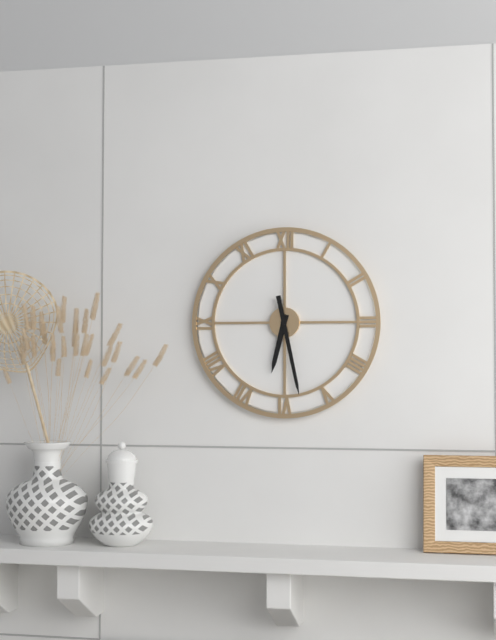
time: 6:28
